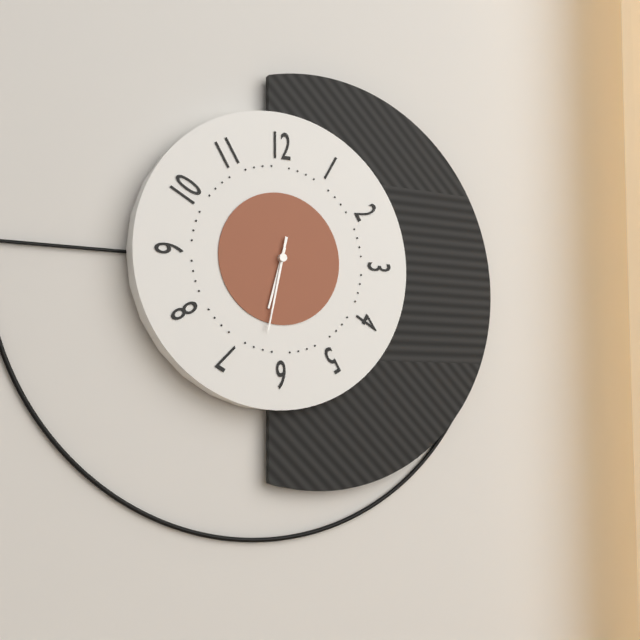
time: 6:32
